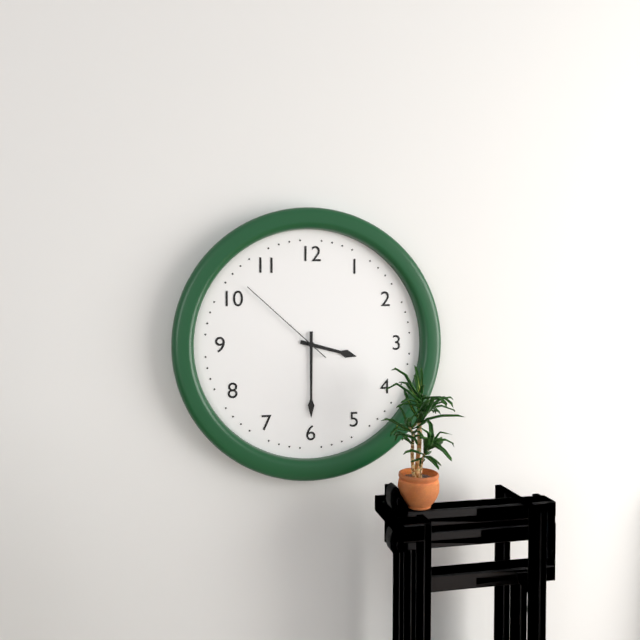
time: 3:30:52
